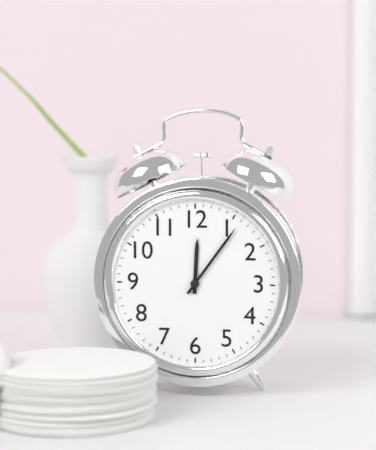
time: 12:06
